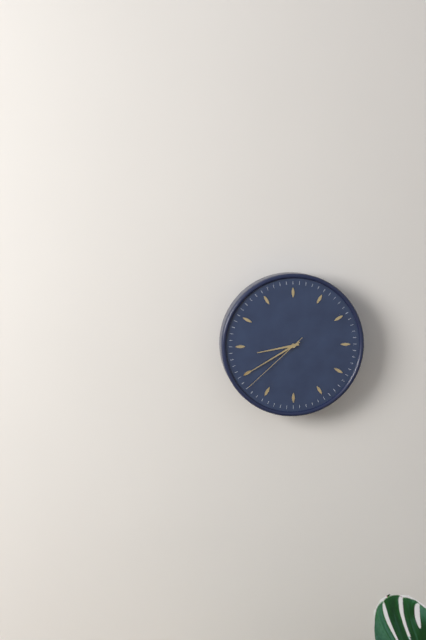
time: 8:40:38
